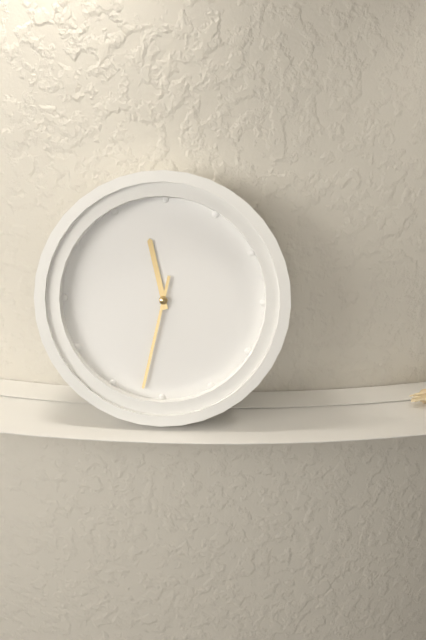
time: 11:32
